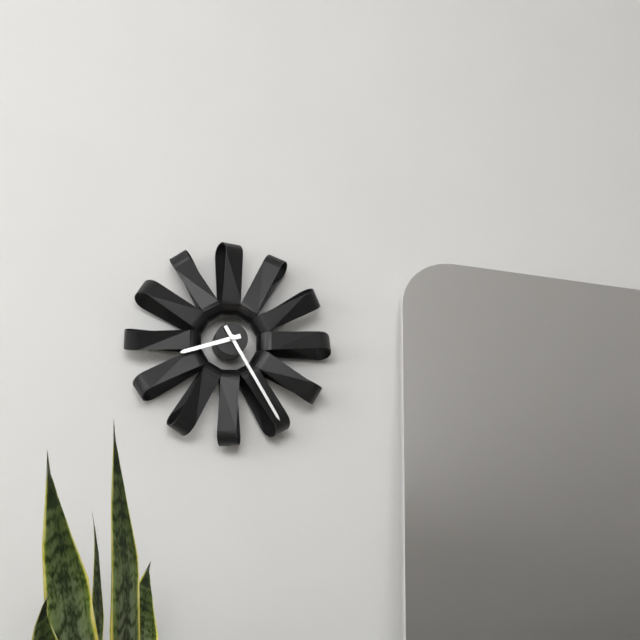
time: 8:25
